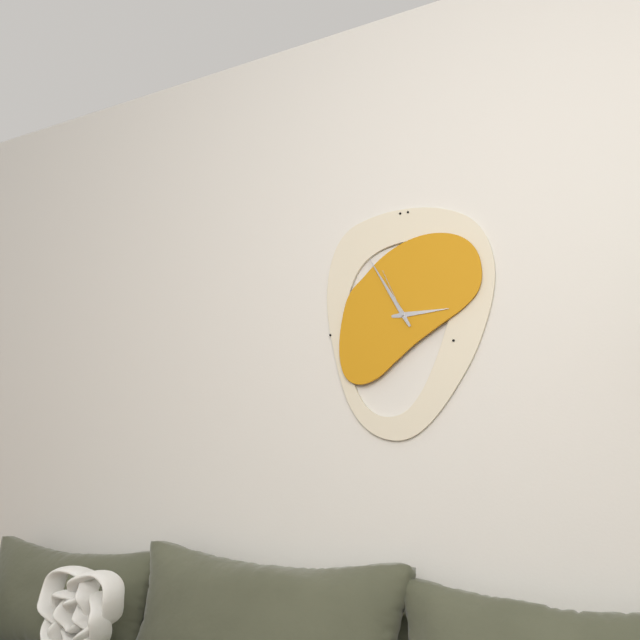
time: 2:55:56
